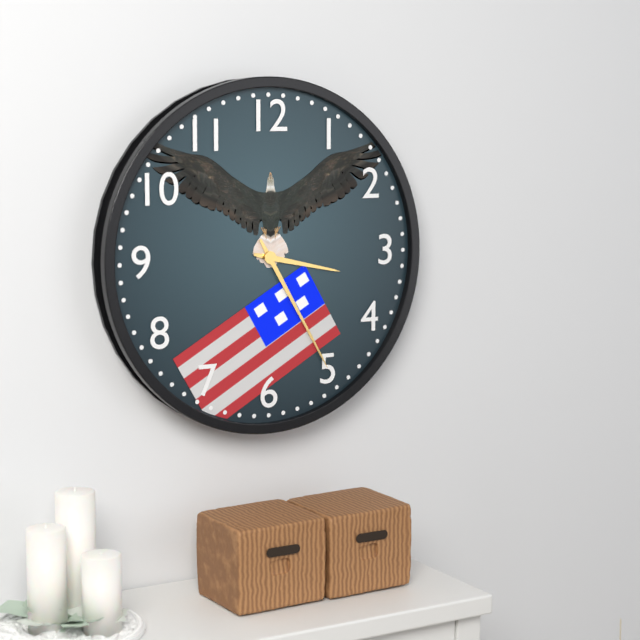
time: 3:25
